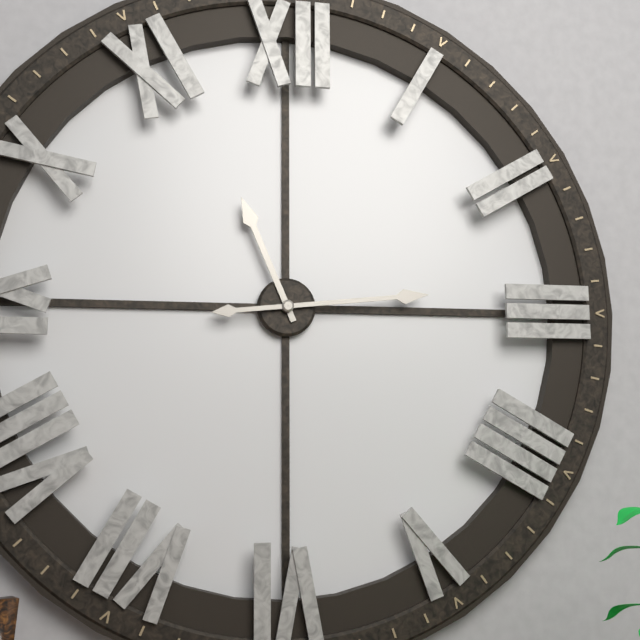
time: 11:14
